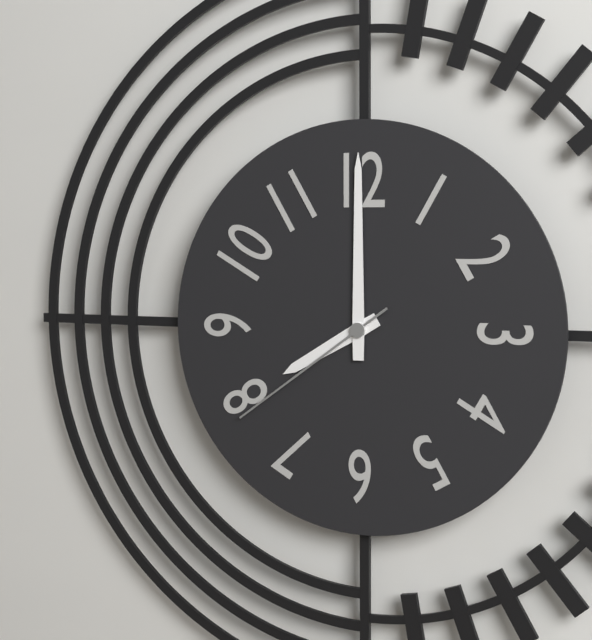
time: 8:00:39
